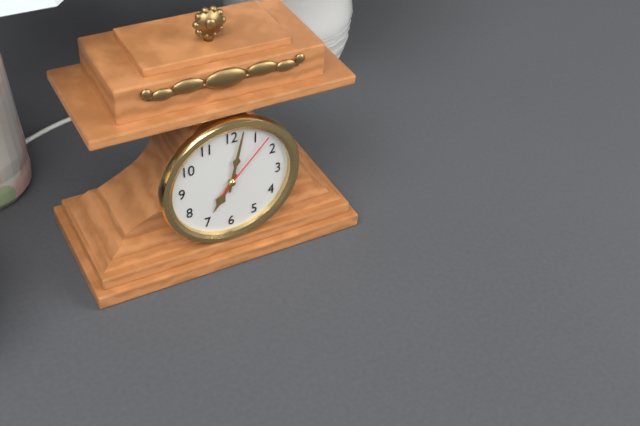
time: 7:02:07
